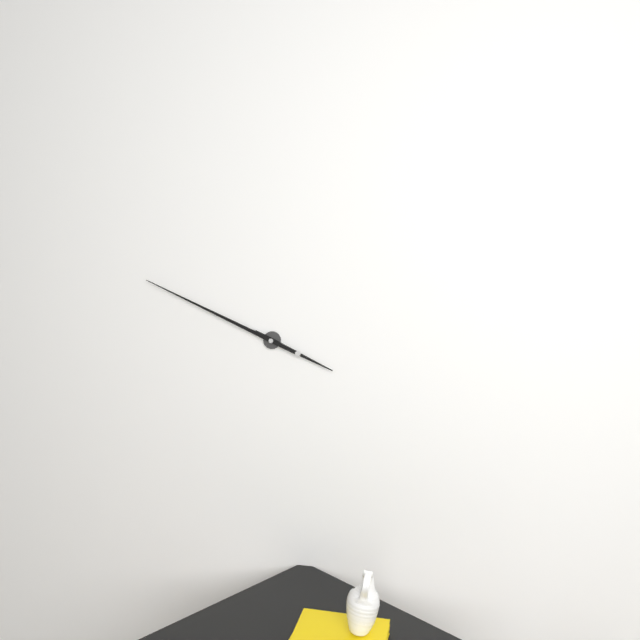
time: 3:49
